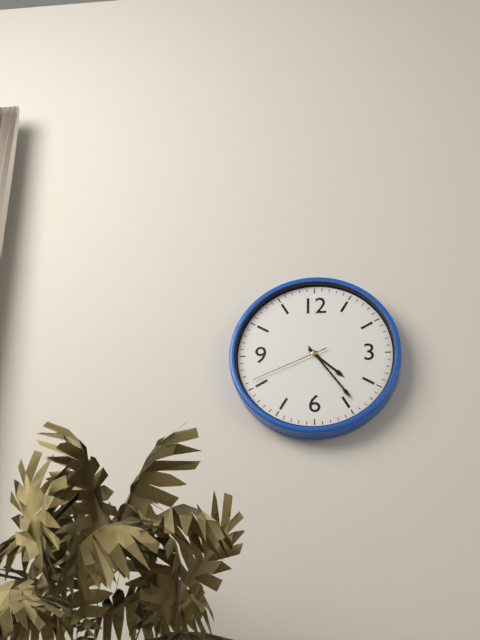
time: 4:24:41
